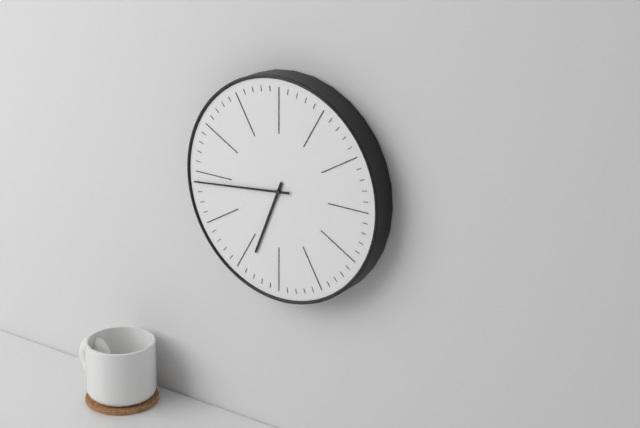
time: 6:44
